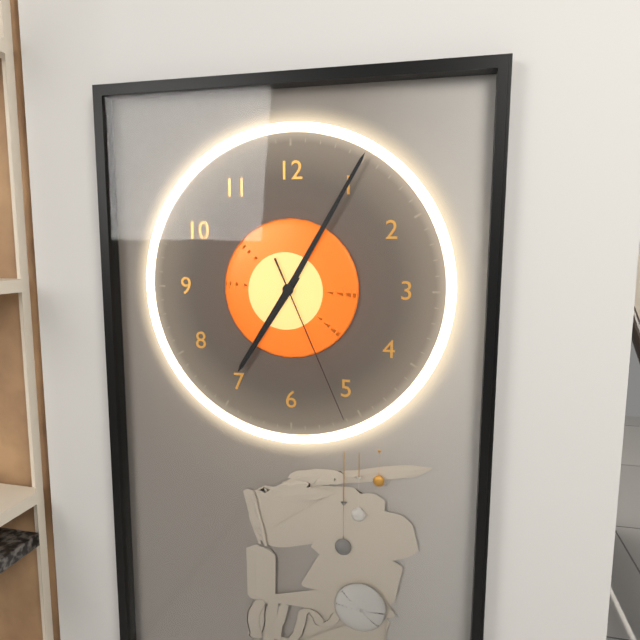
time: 7:05:26
